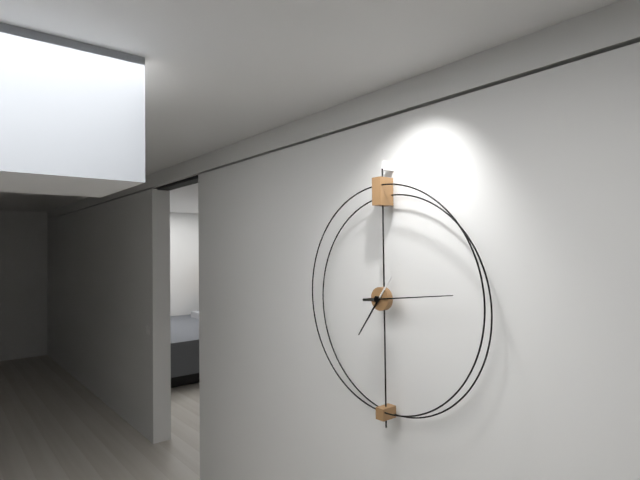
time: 7:14
